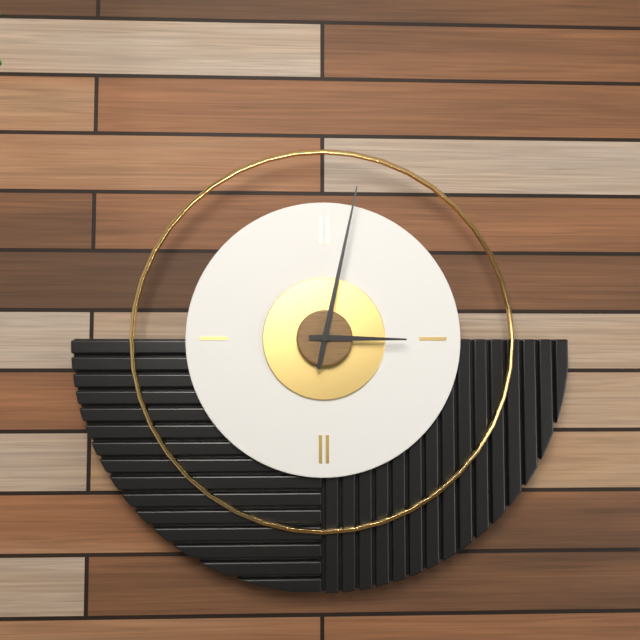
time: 3:02
